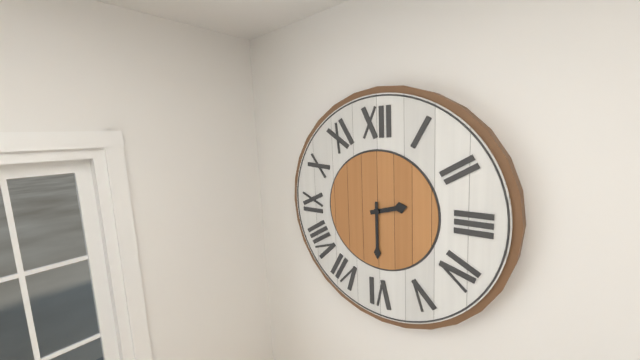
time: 2:30
